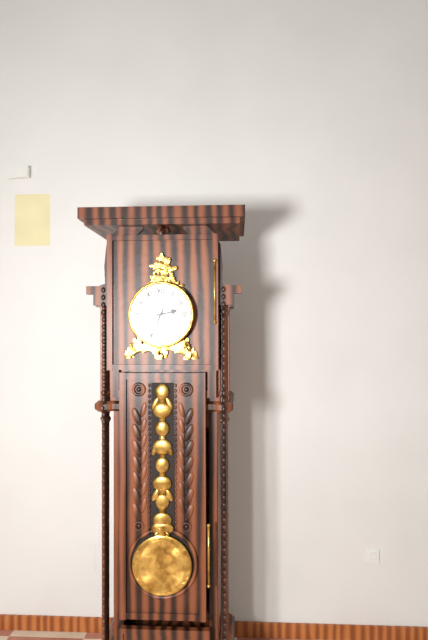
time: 2:34
